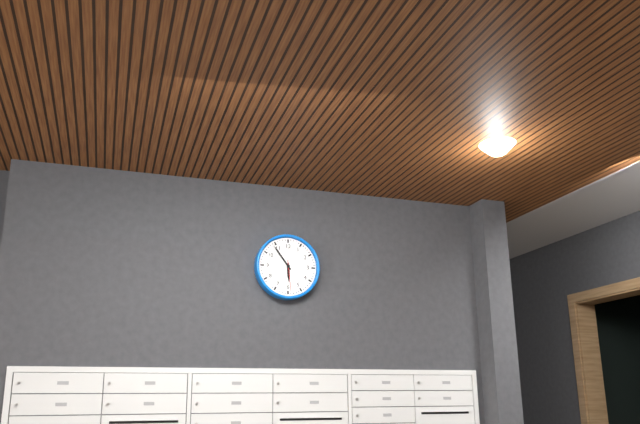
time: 5:54
